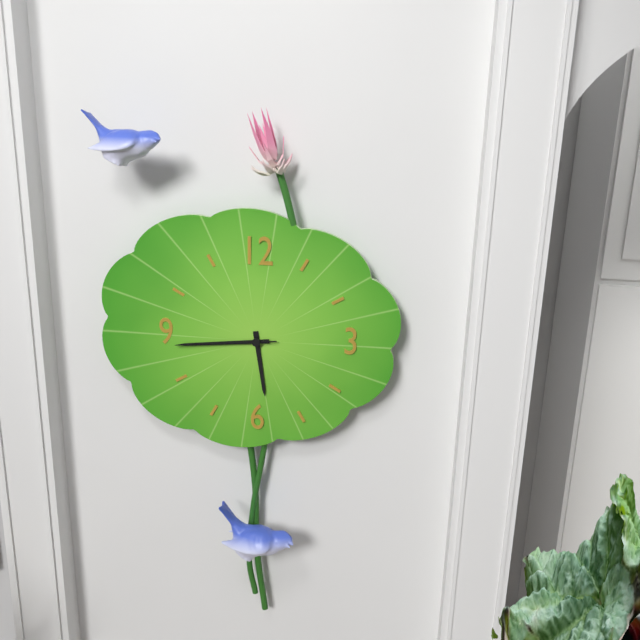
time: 5:44:44
